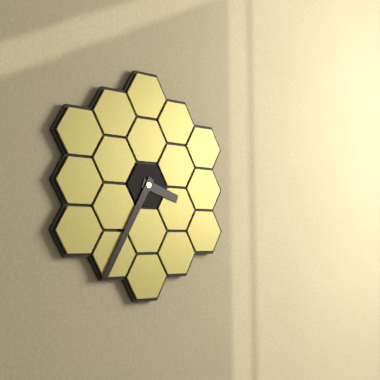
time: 3:35
